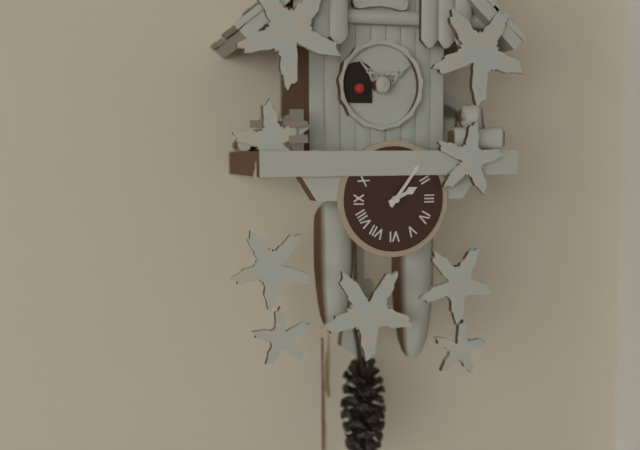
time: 2:06
